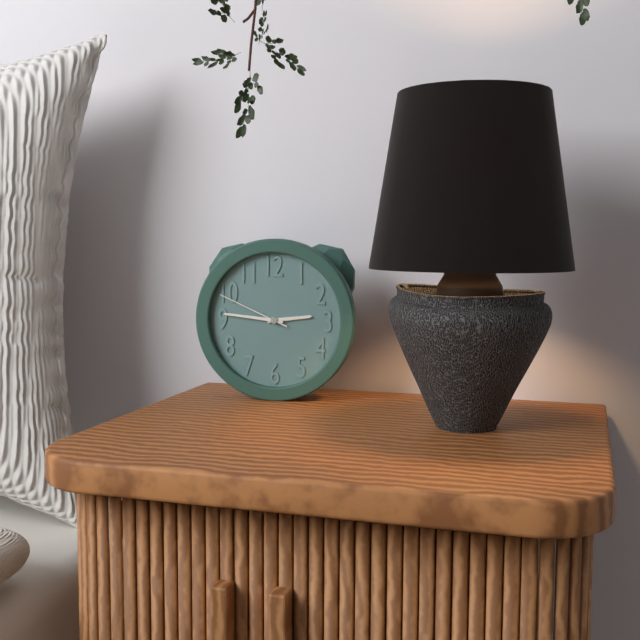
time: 2:46:49
